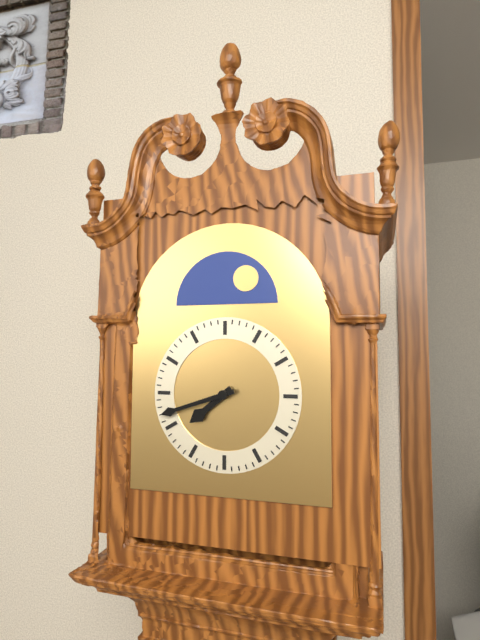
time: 7:42
